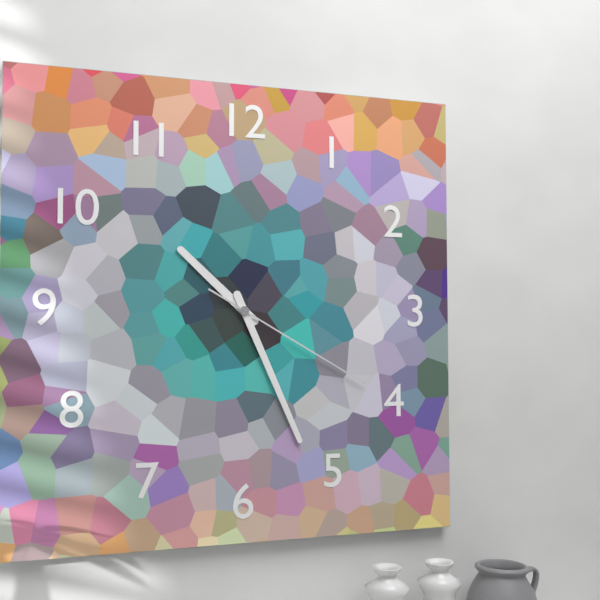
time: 10:26:20
